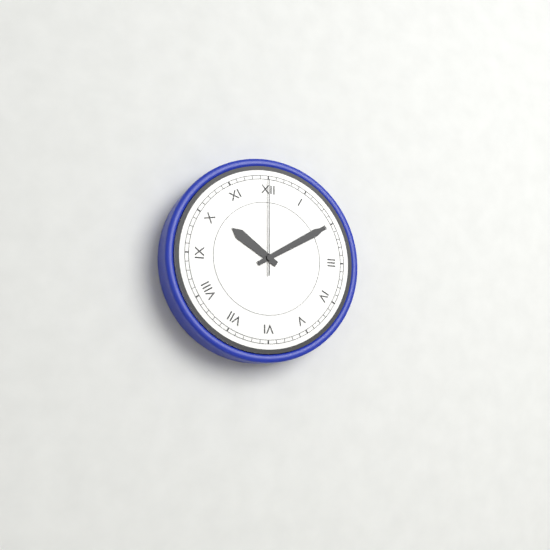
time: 10:10:00
